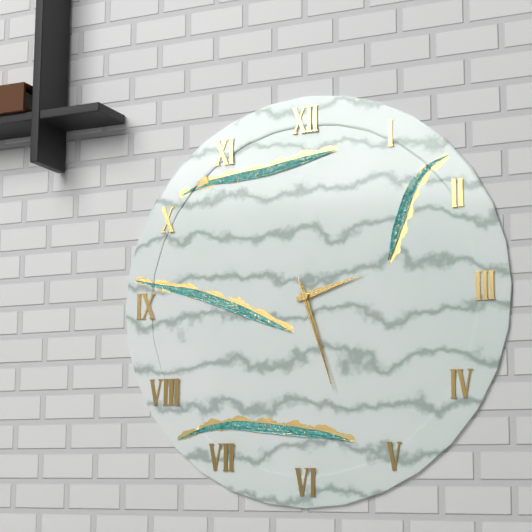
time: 2:27:27
